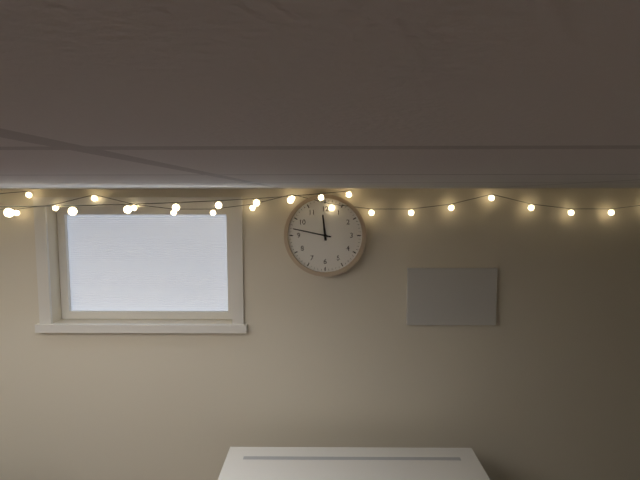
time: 11:47
